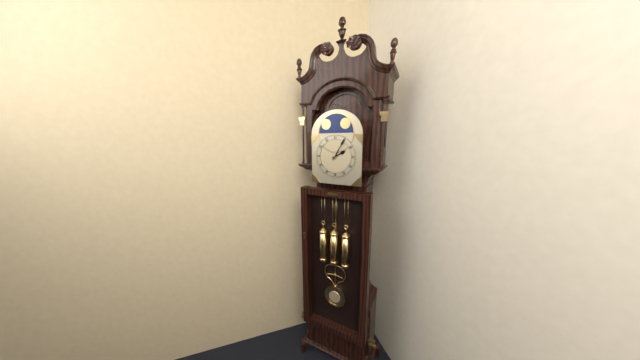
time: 2:05
